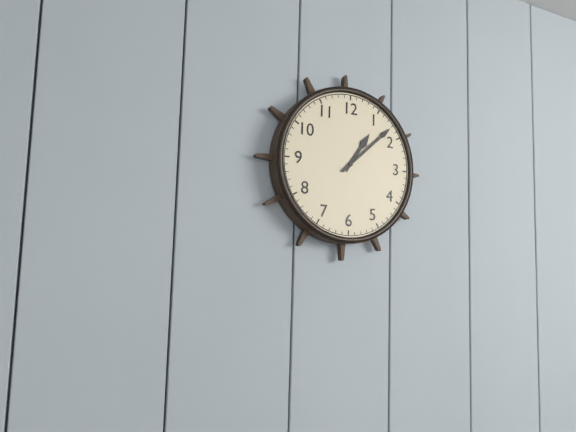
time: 1:08
